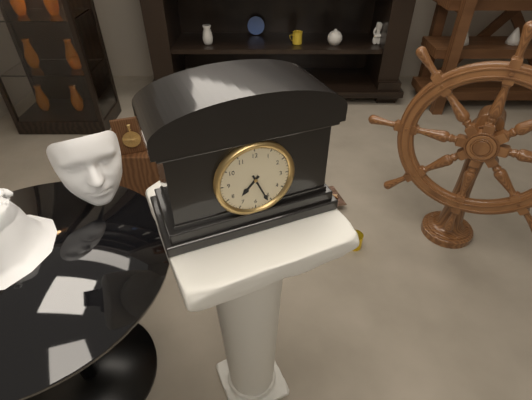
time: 7:26
